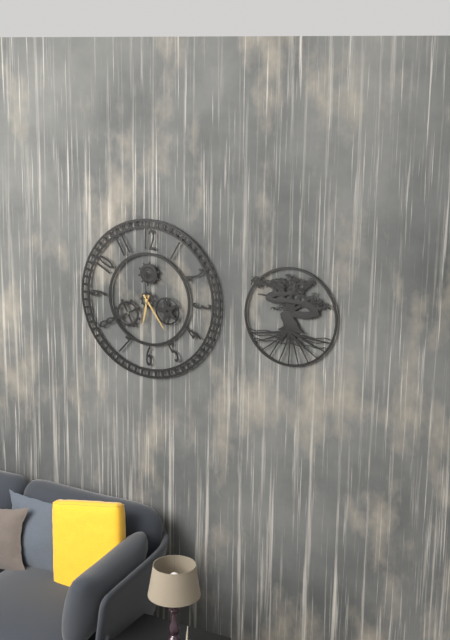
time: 6:24
